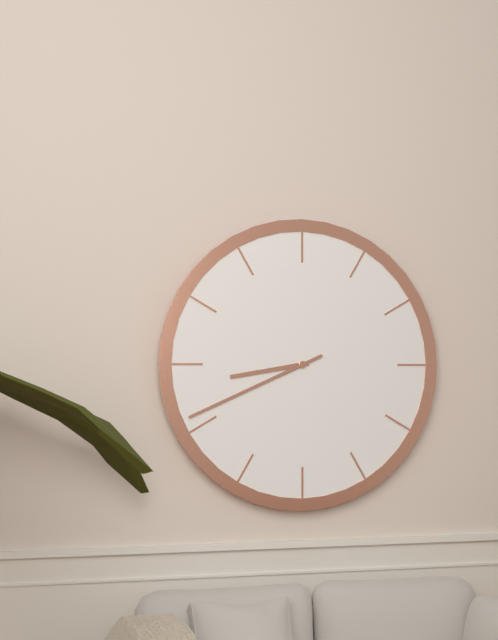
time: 8:41
